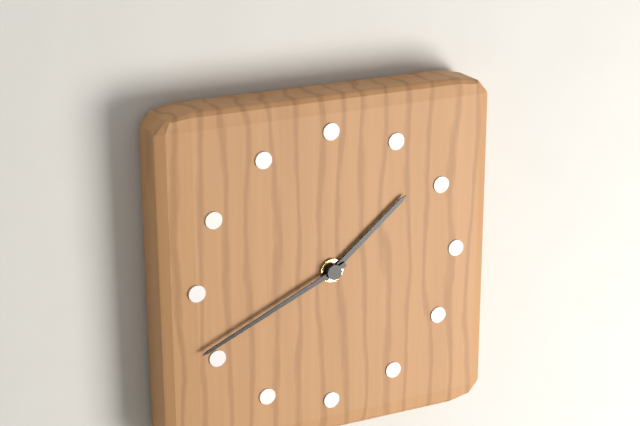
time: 1:41
